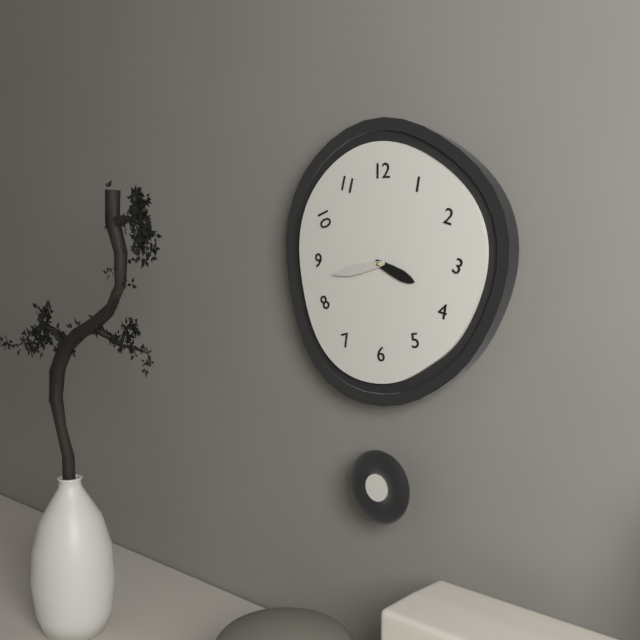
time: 3:43
